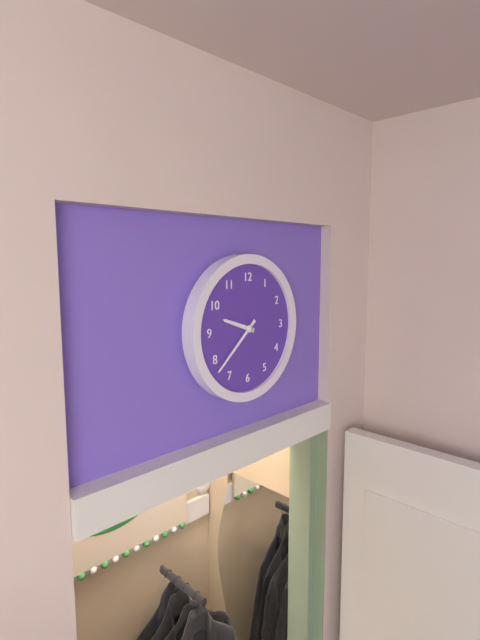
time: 9:38
